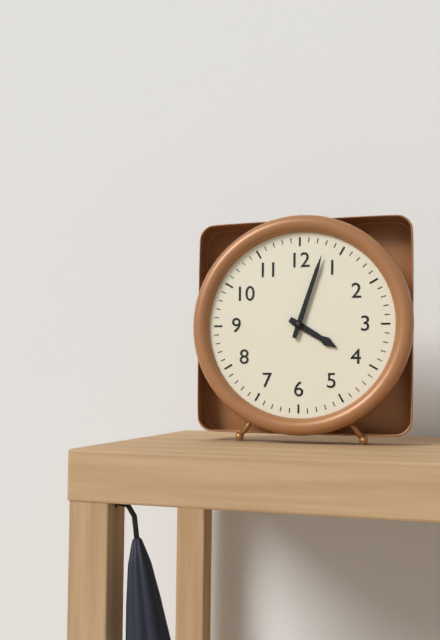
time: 4:03
